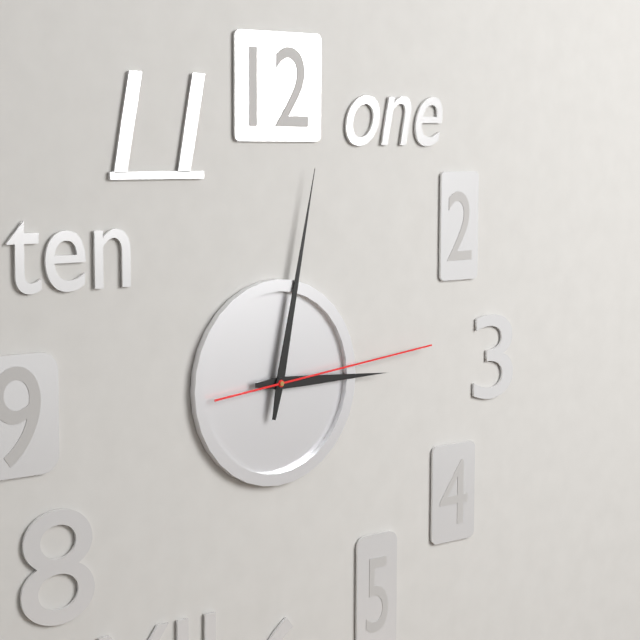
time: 3:02:14
